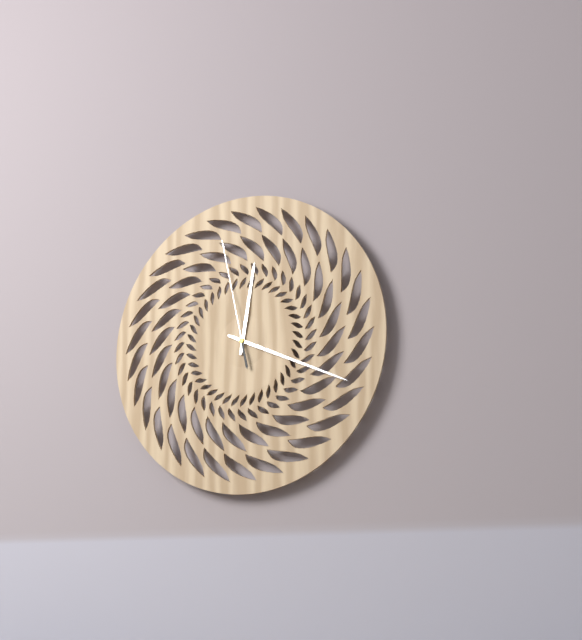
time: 12:19:58
